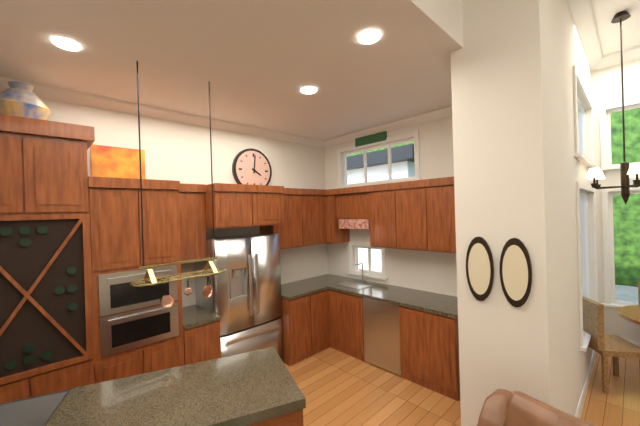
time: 4:01
